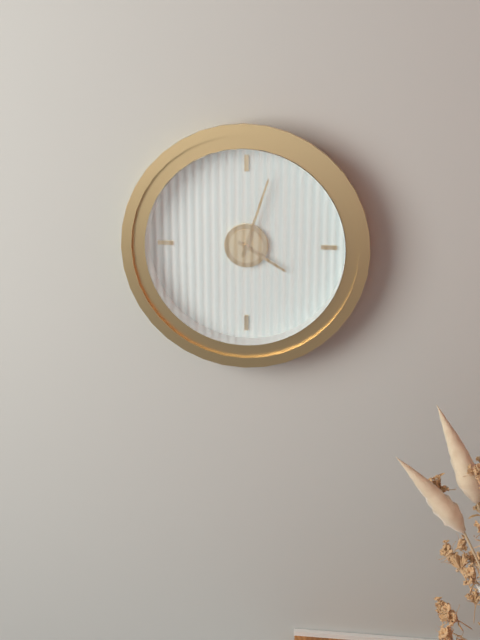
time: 4:03
